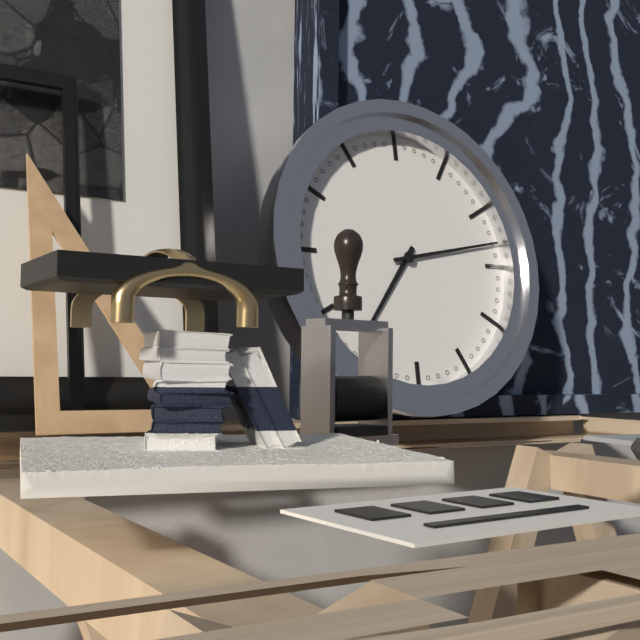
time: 7:13
